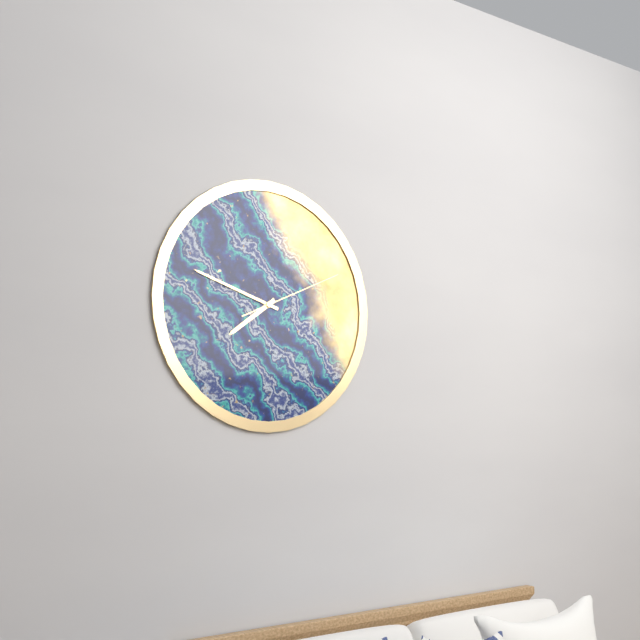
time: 7:48:11
